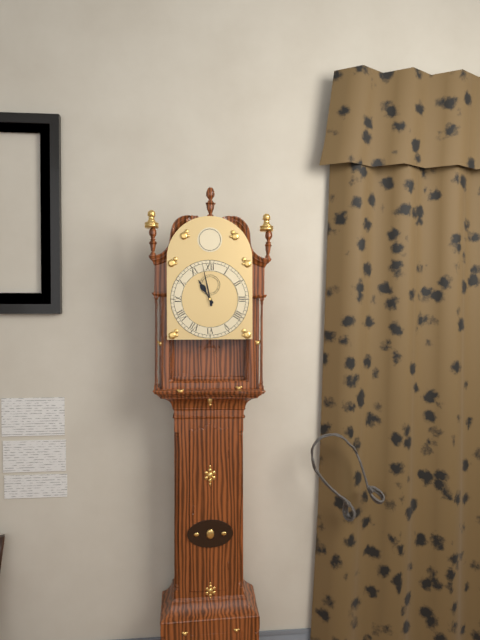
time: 10:58
